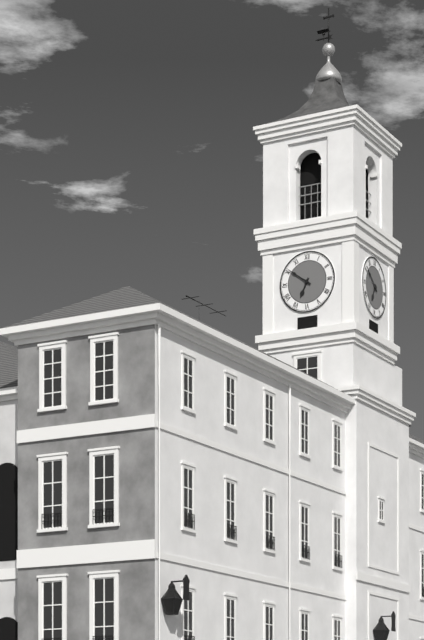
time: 6:51
